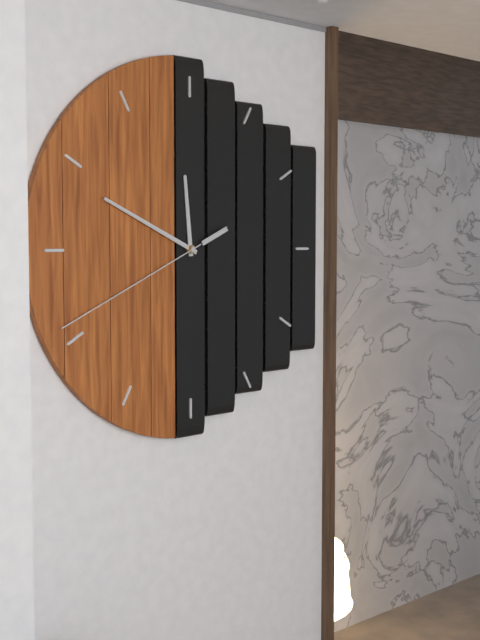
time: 11:49:41
